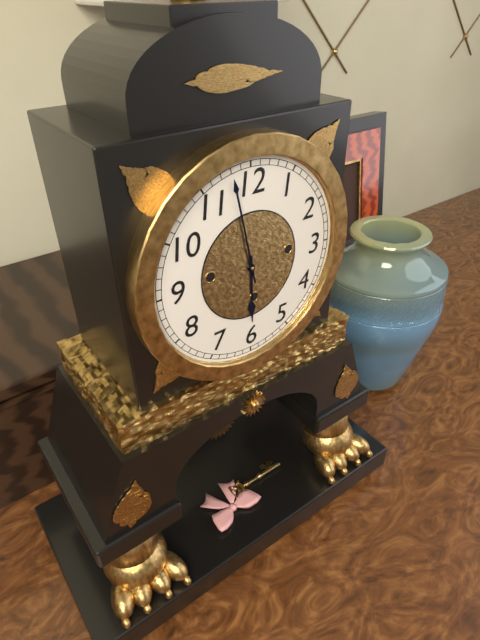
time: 5:58
